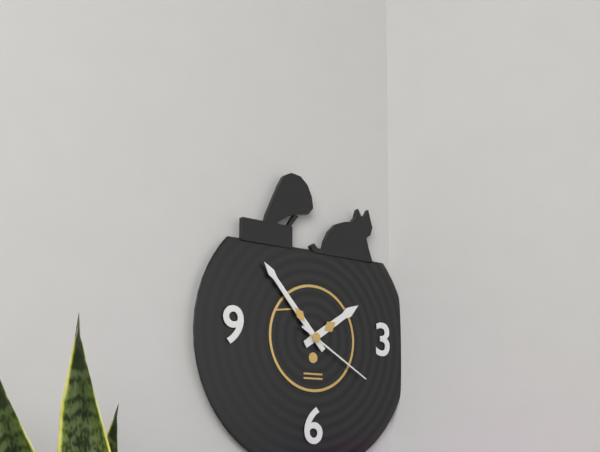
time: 1:53:20
